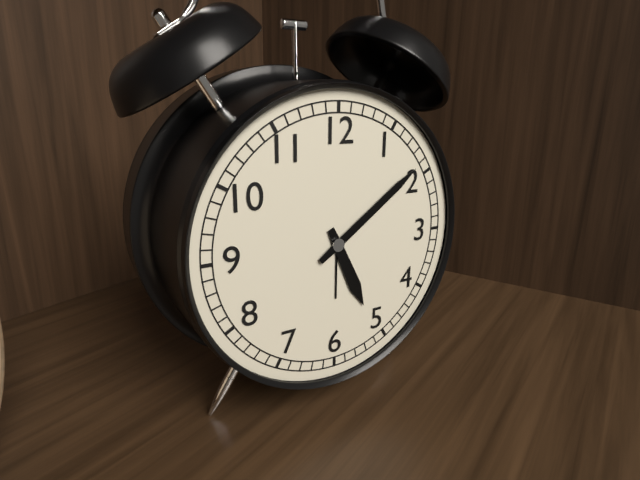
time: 5:09
